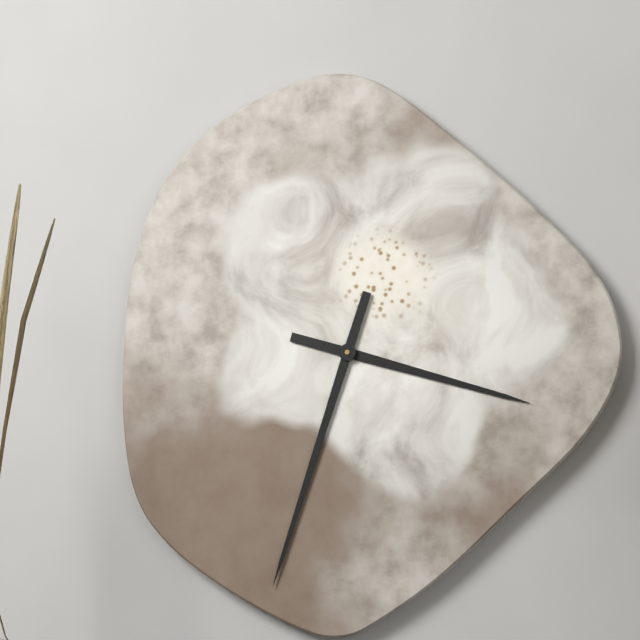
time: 3:33
